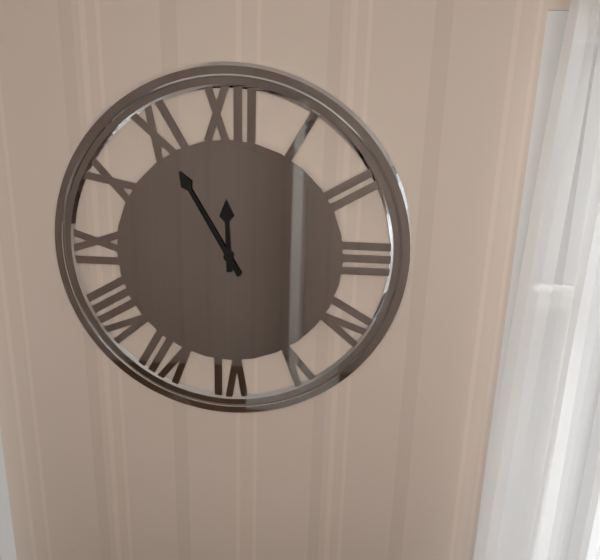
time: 11:55
